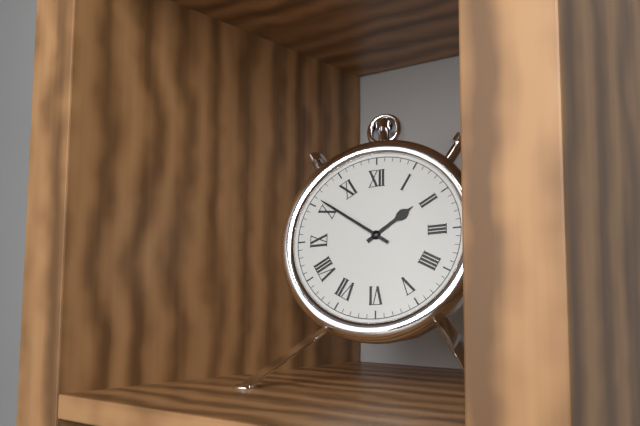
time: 1:51
